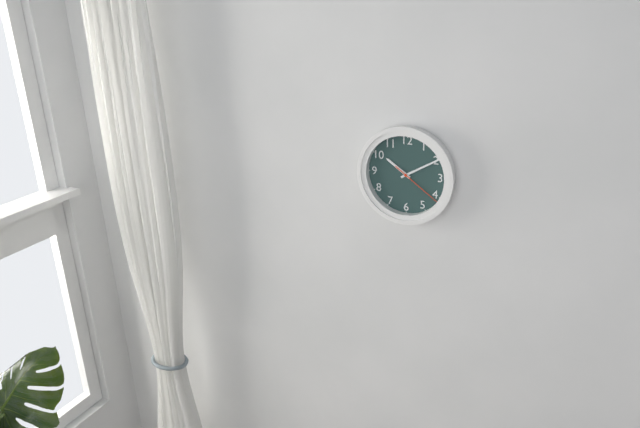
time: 10:10:21
